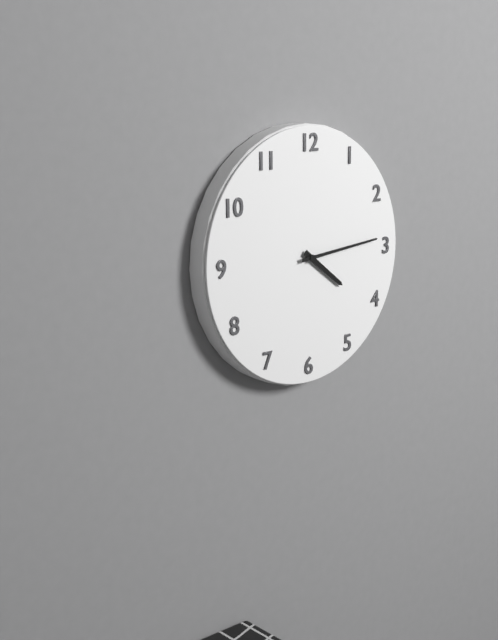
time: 4:14
